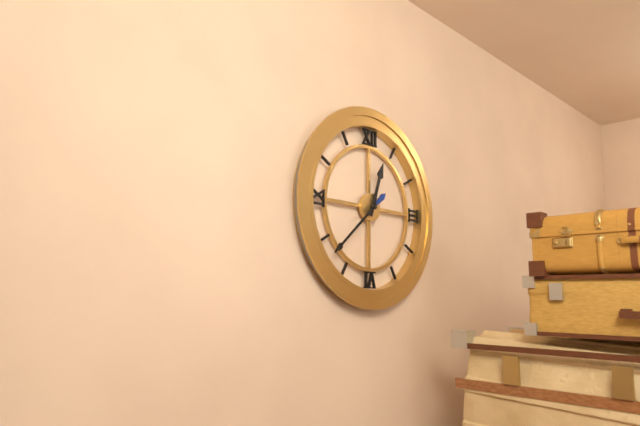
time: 12:38
